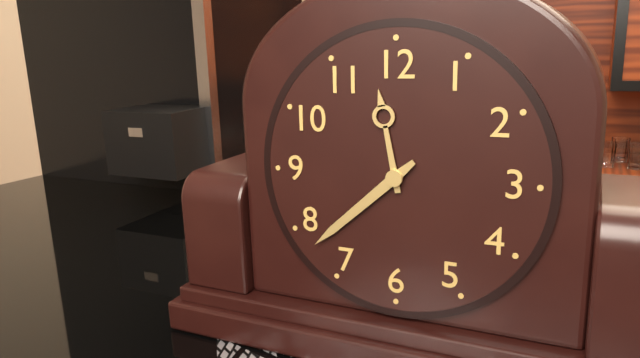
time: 11:38
